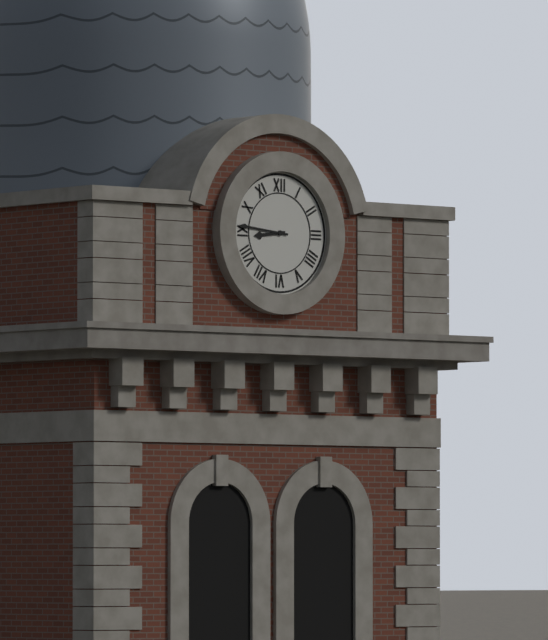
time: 8:46
